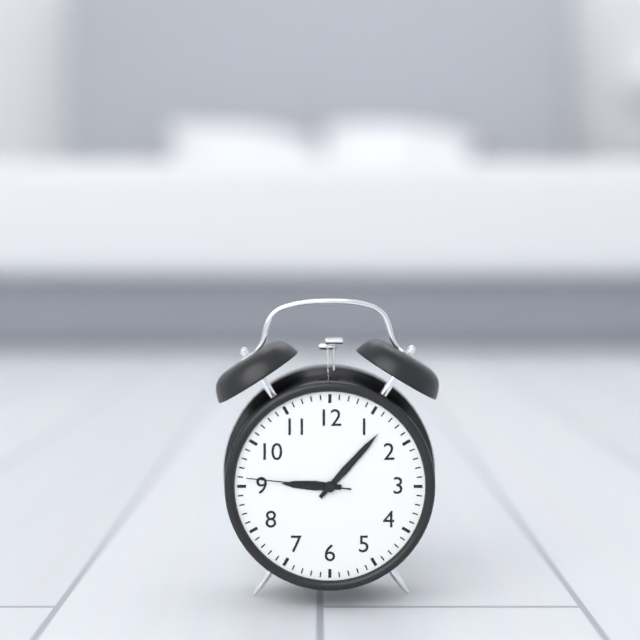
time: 9:07:46
